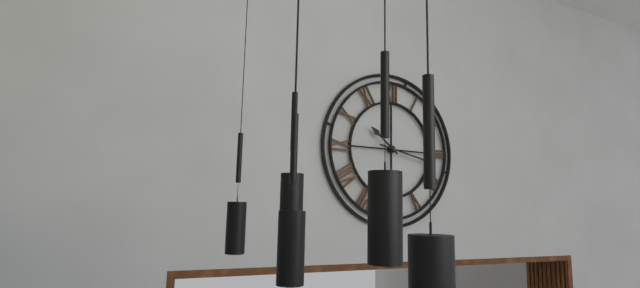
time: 10:17
